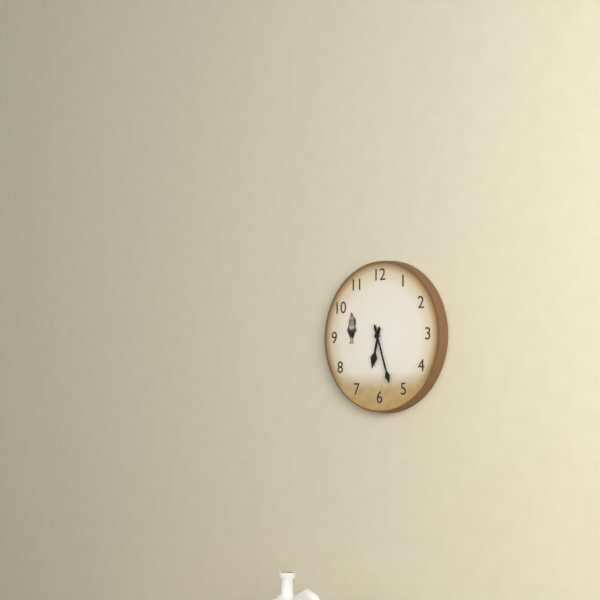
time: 6:27
